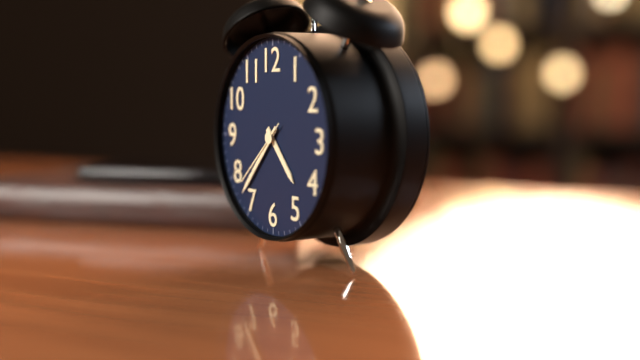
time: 4:37:38
